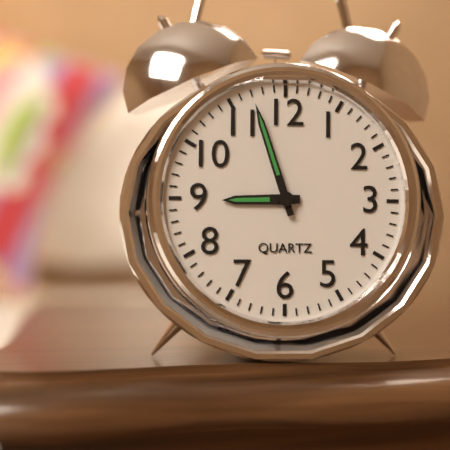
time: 8:57
